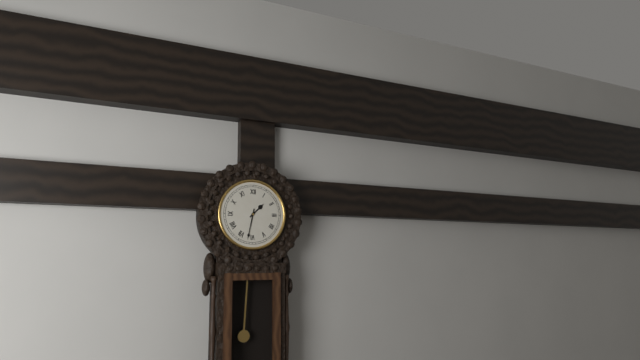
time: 1:32
